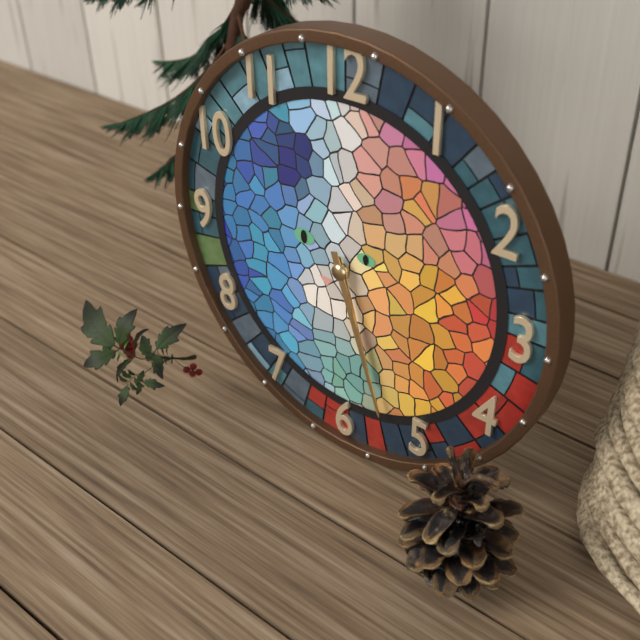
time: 5:27
